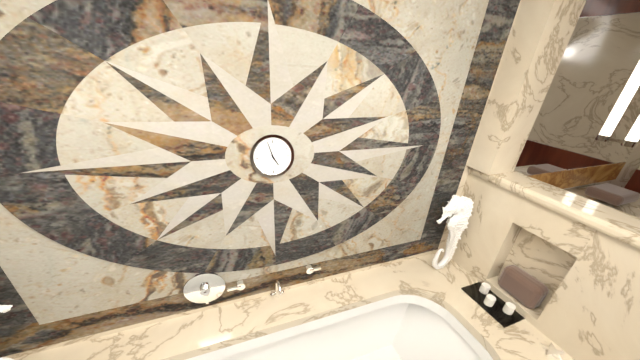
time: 4:57
